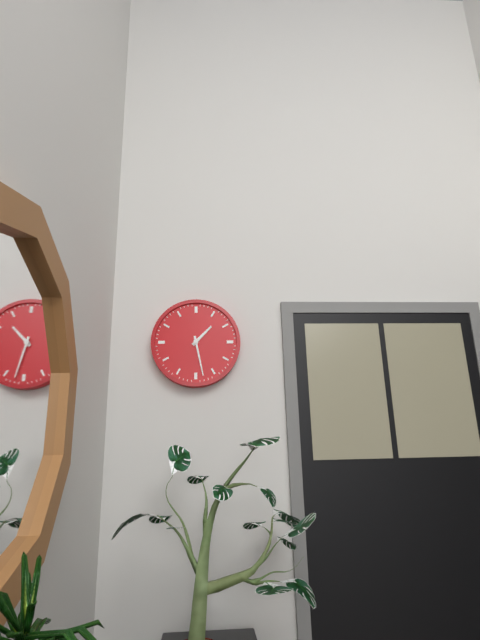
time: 1:28
